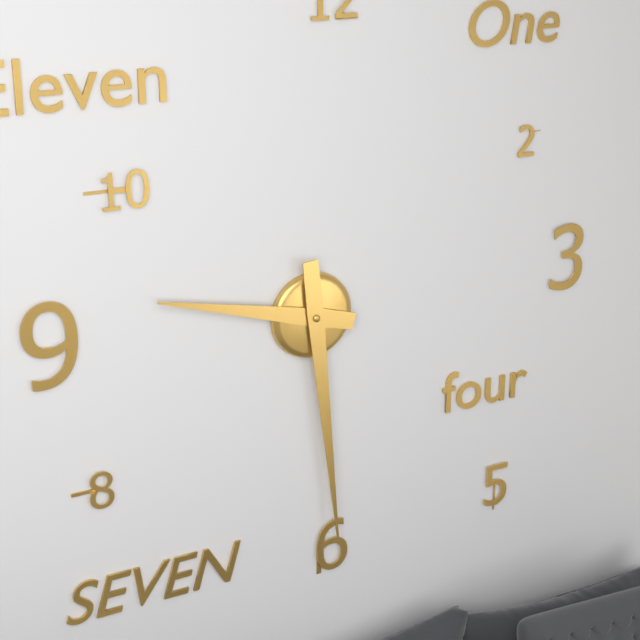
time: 9:29
